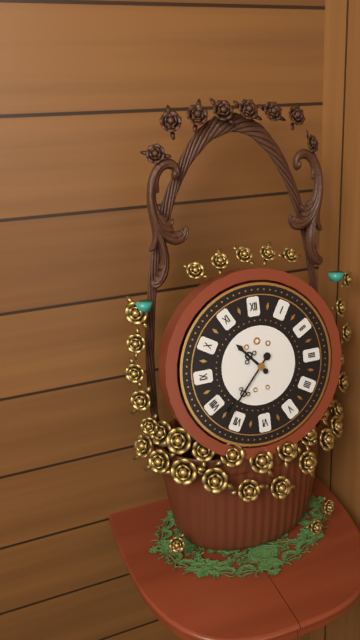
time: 10:37
